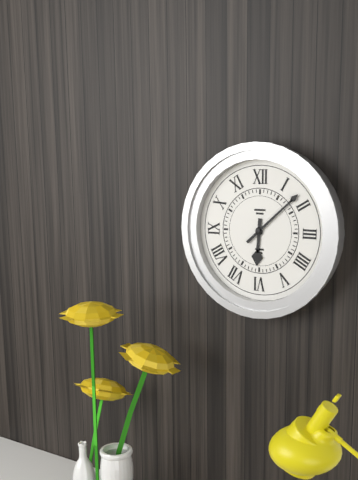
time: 6:08
